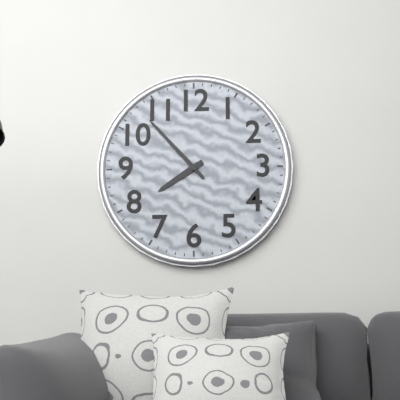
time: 7:53
